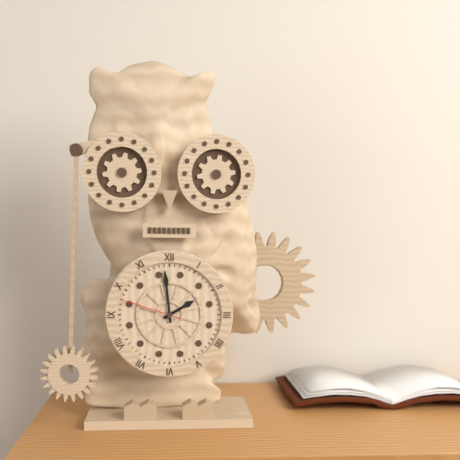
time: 1:59:48
